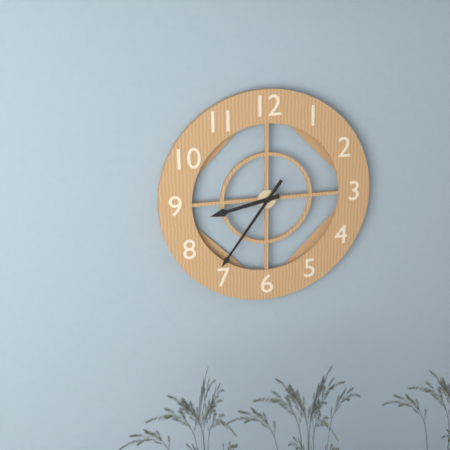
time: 8:36
